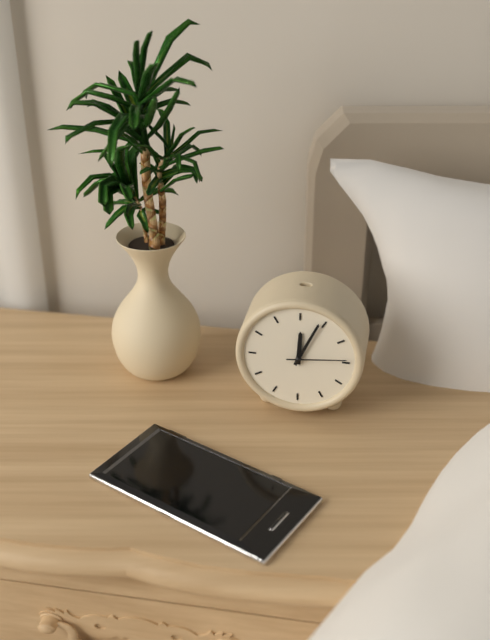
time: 12:04:14
